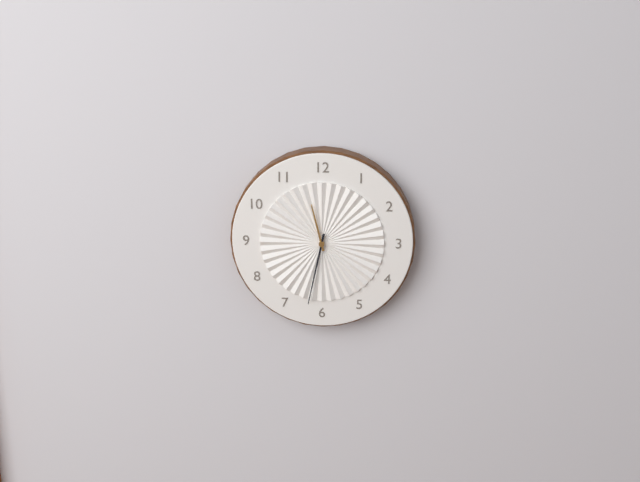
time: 11:32
